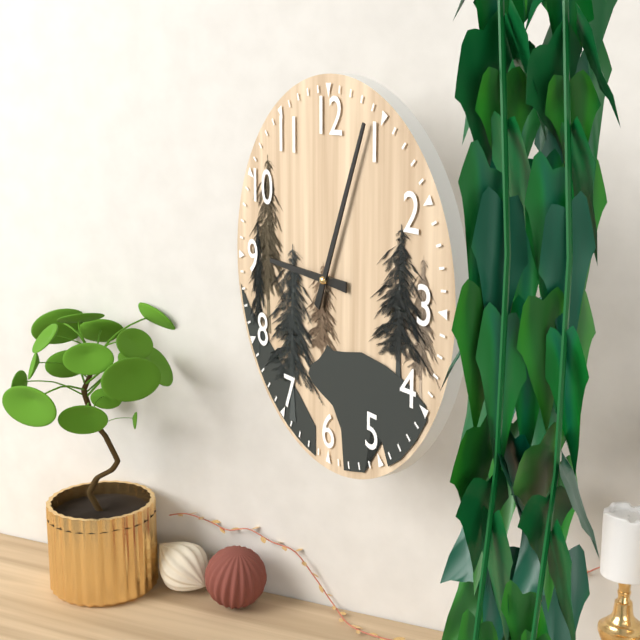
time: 9:04
